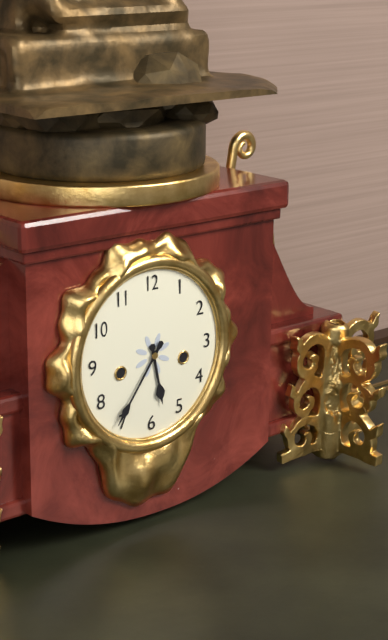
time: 5:36
